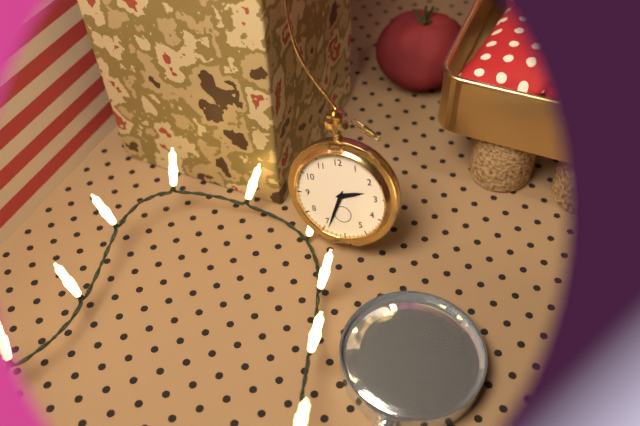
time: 2:34
